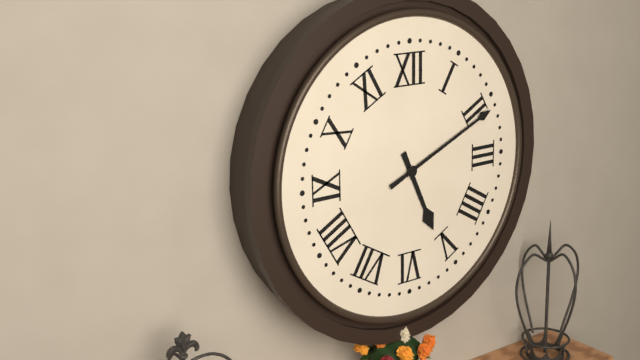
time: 5:11
